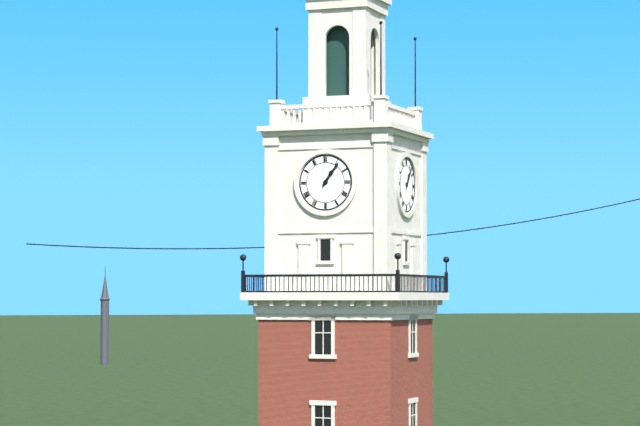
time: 1:06
